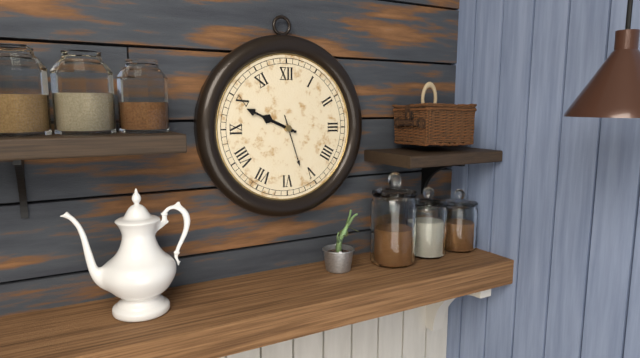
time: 9:49
